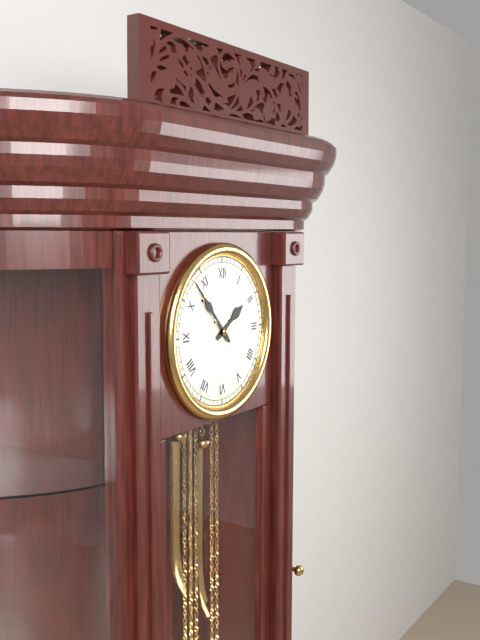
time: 1:53
